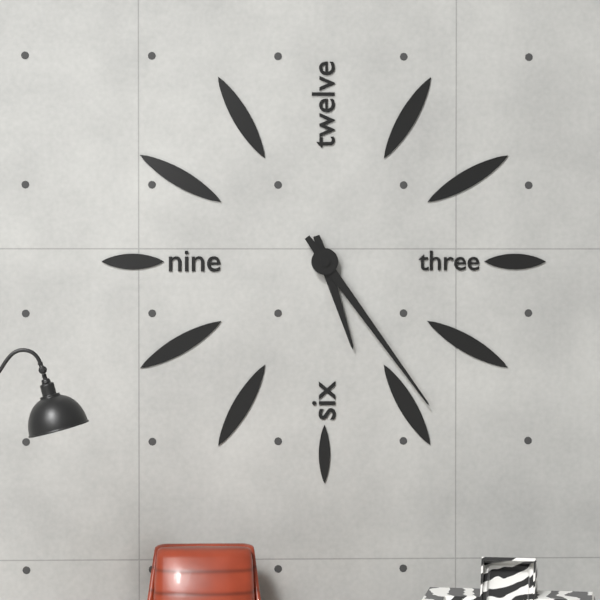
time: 5:24
